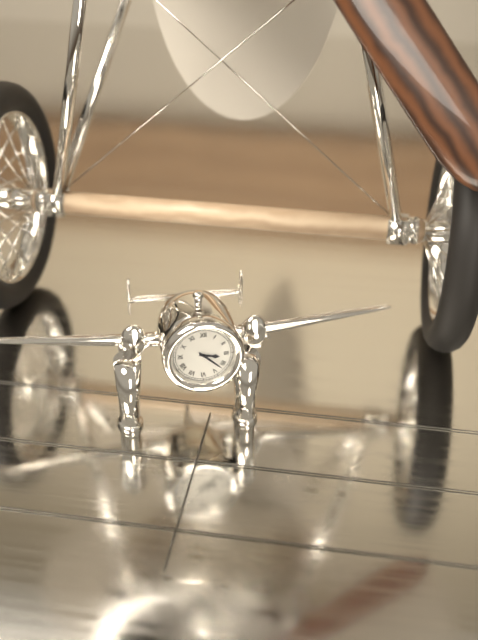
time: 3:22
